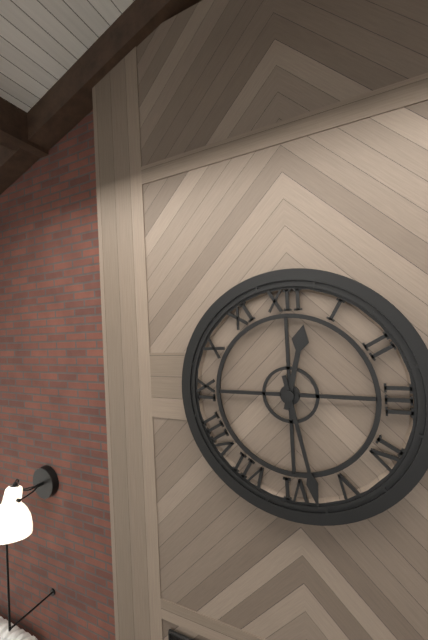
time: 12:28
